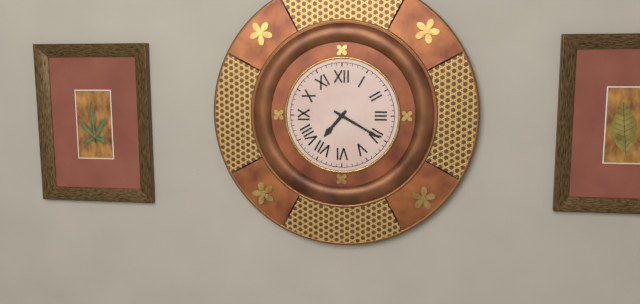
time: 7:20
